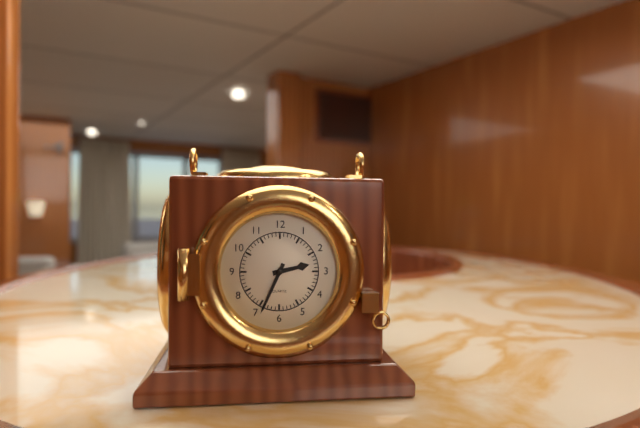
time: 2:34
